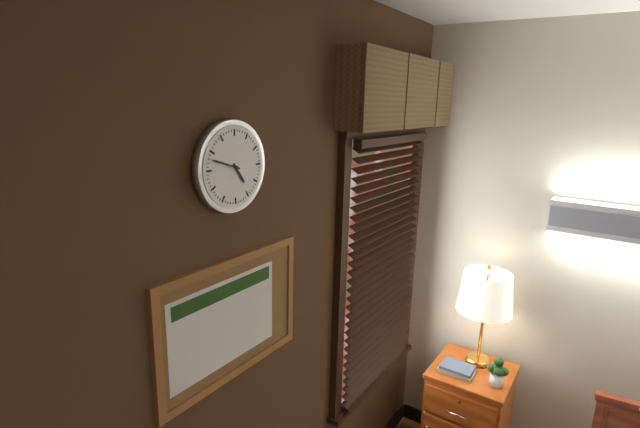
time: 4:48
